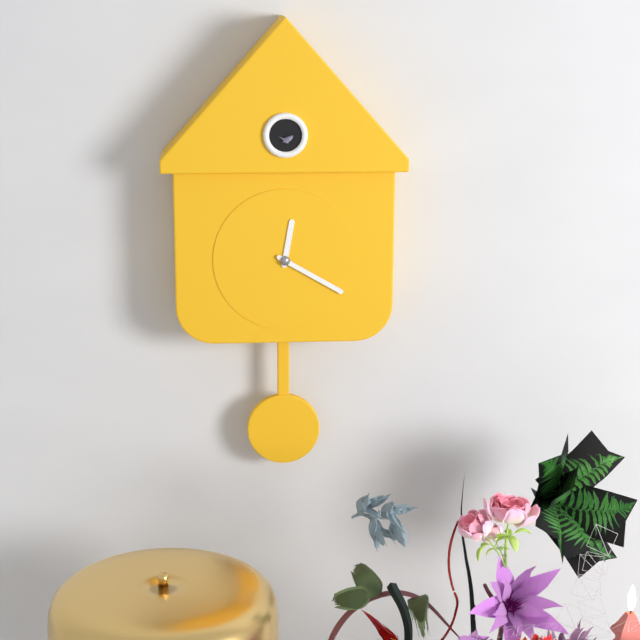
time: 12:20
